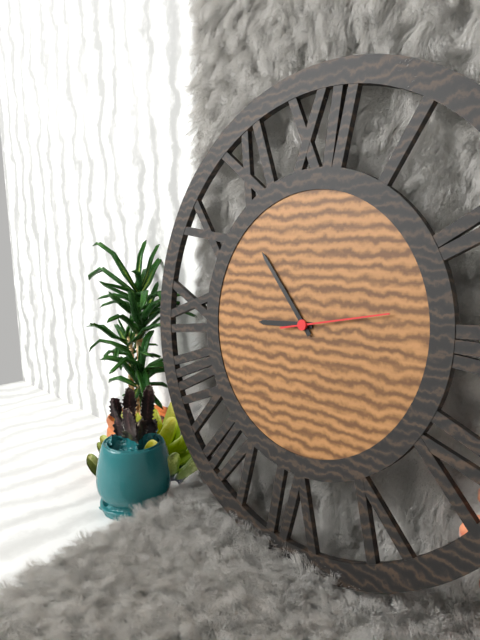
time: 8:53:13
